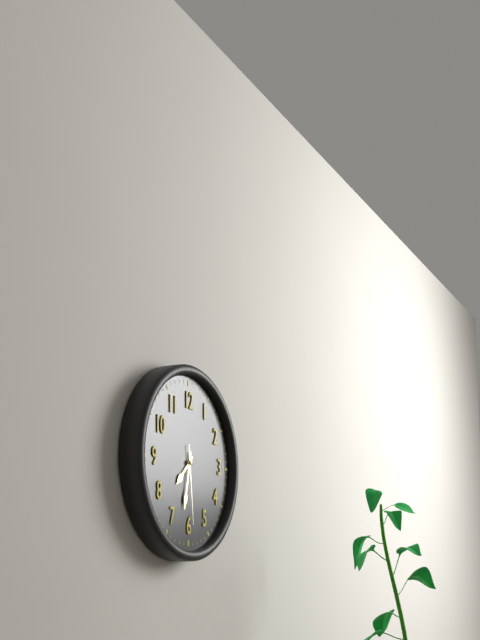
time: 7:32:29
